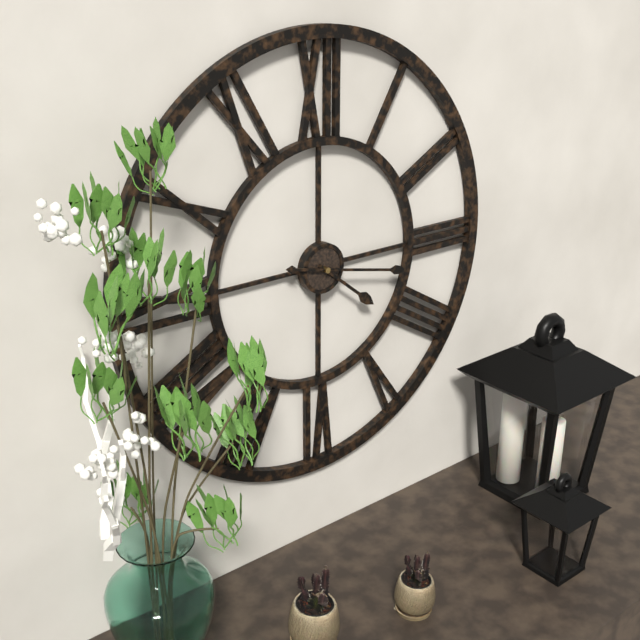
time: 4:17
